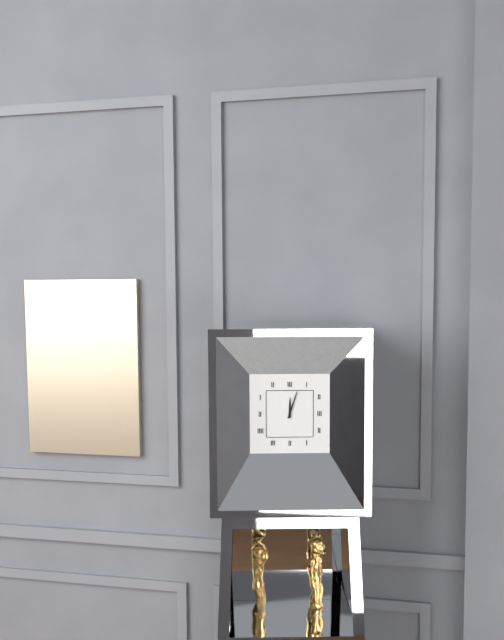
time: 12:03
